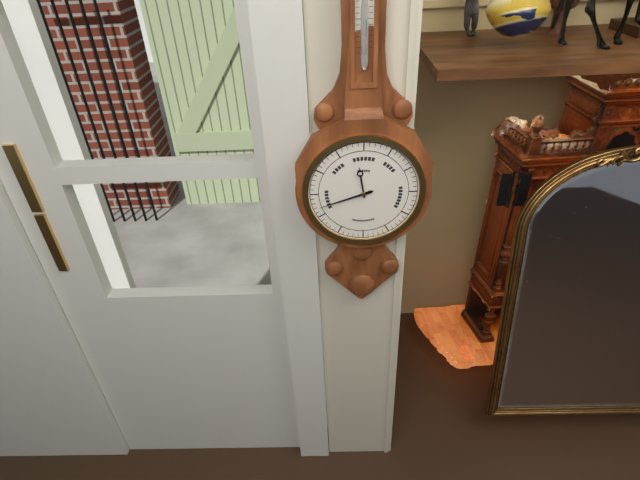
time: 11:42
